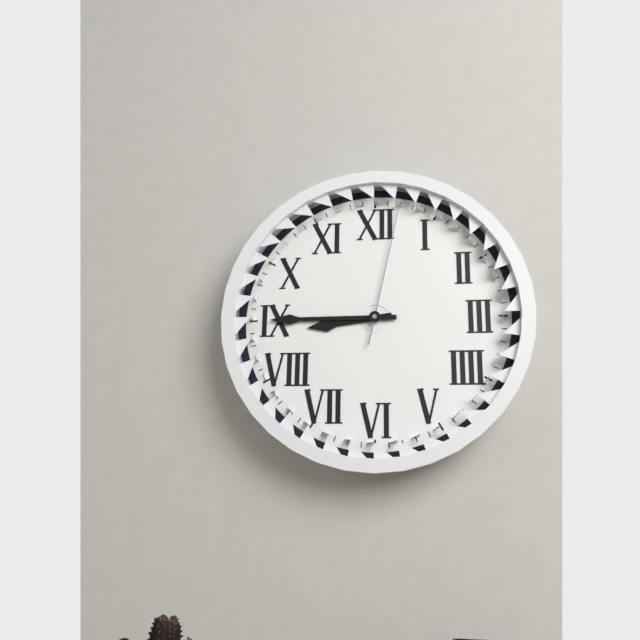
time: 8:45:02
